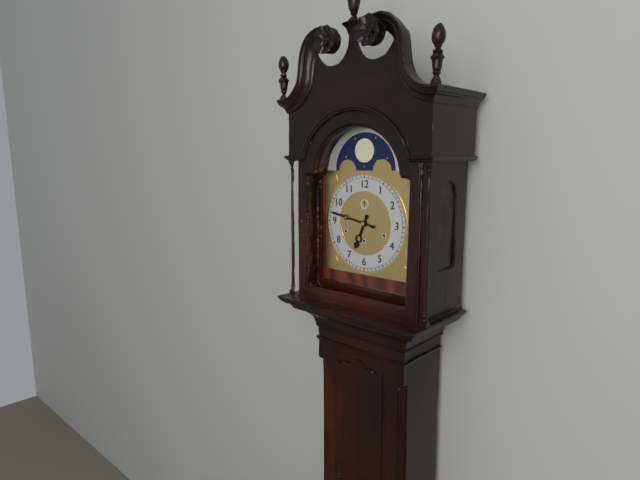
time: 6:47
